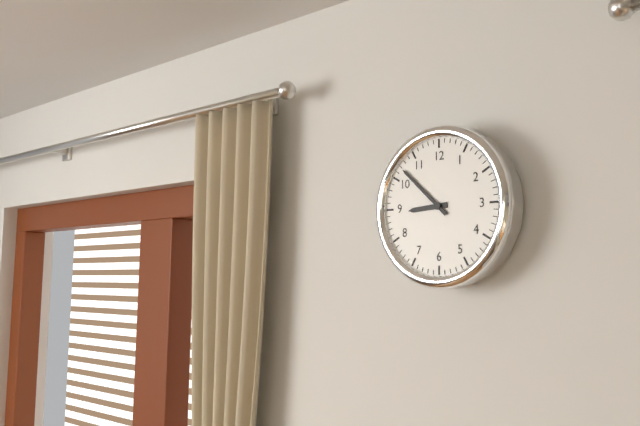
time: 8:52
